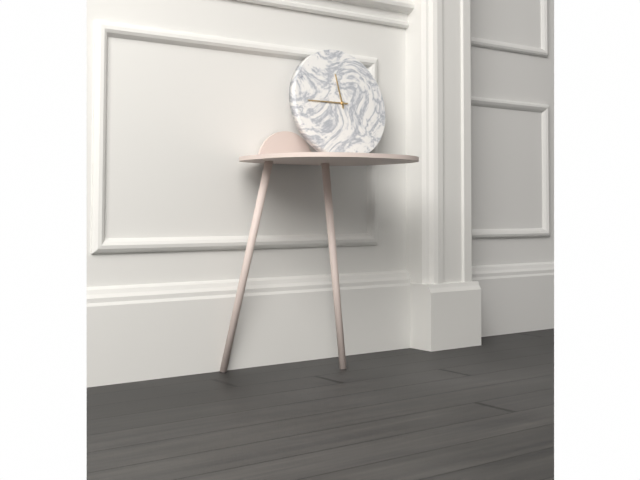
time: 11:45
